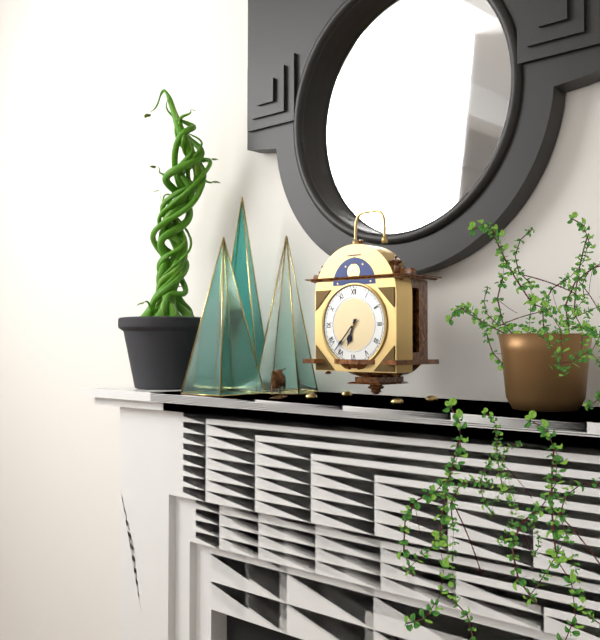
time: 6:37
